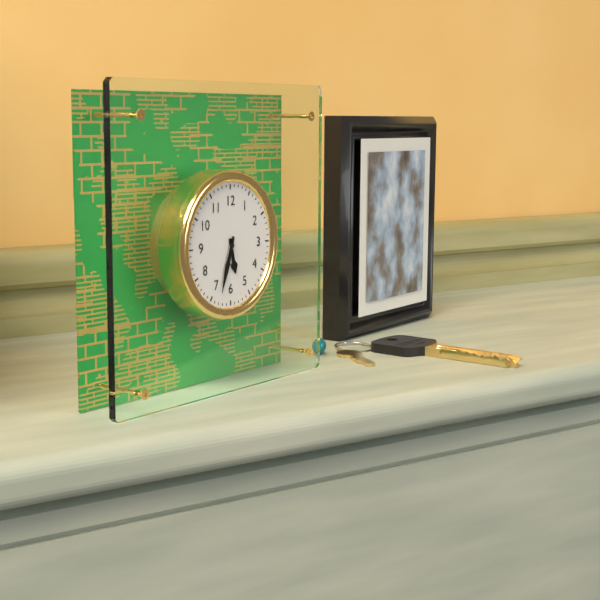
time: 5:33
